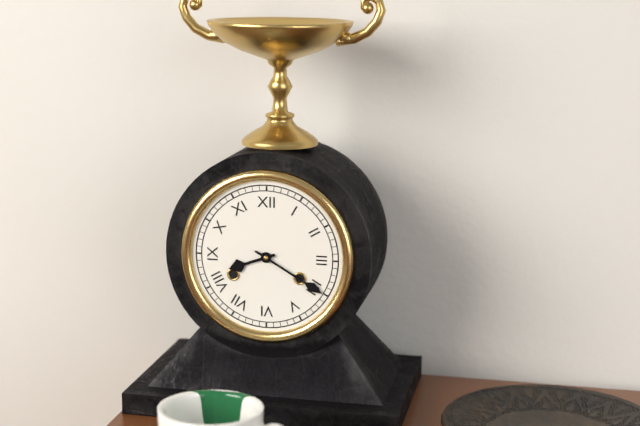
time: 8:20
